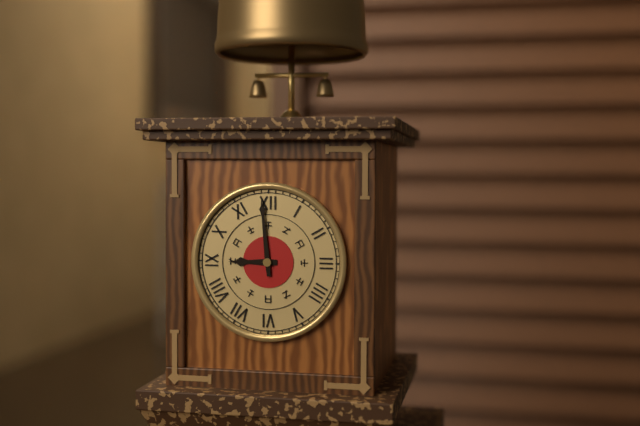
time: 8:59
